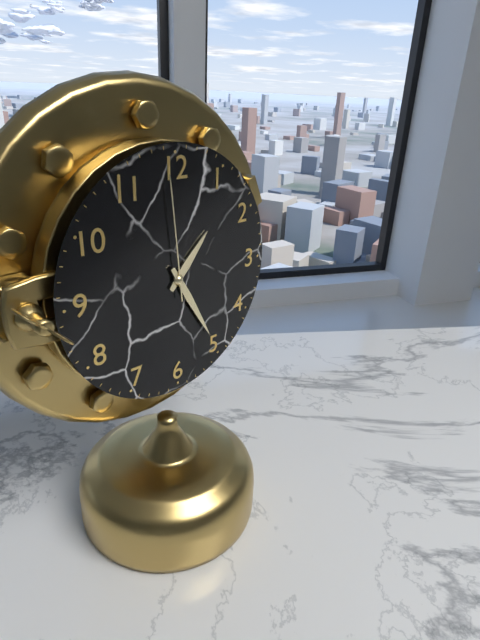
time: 1:25:59
